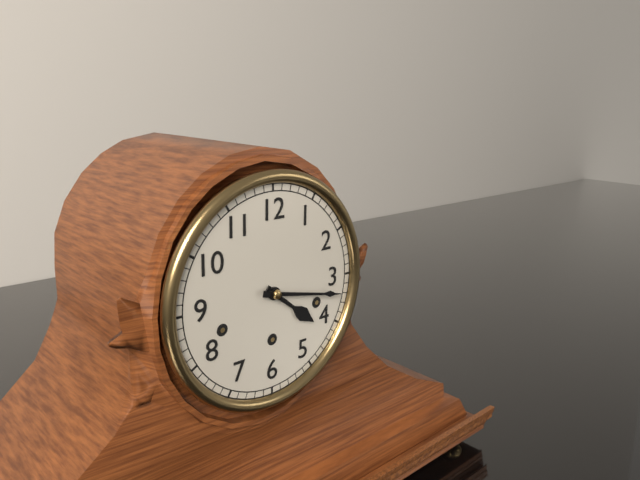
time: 4:17
